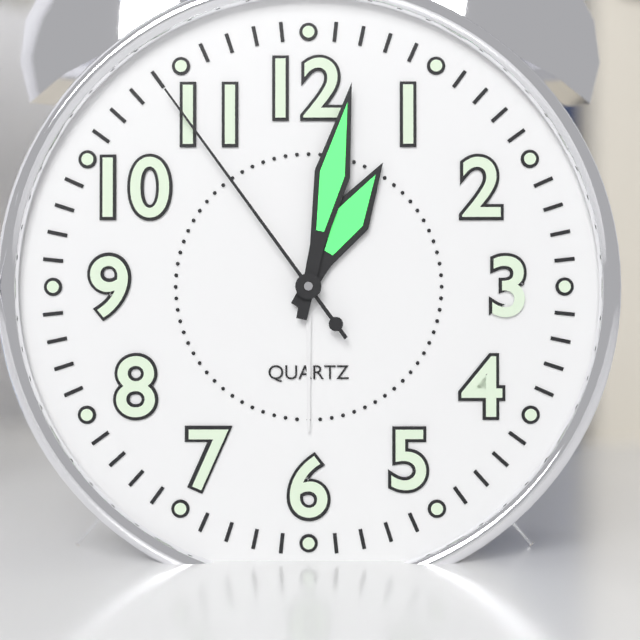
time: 1:02:54
